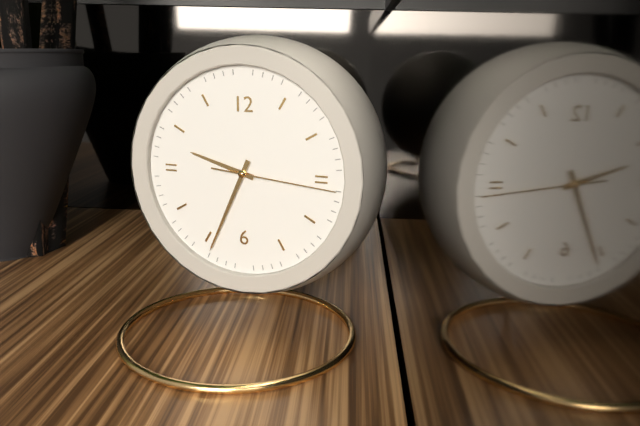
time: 9:34:16
